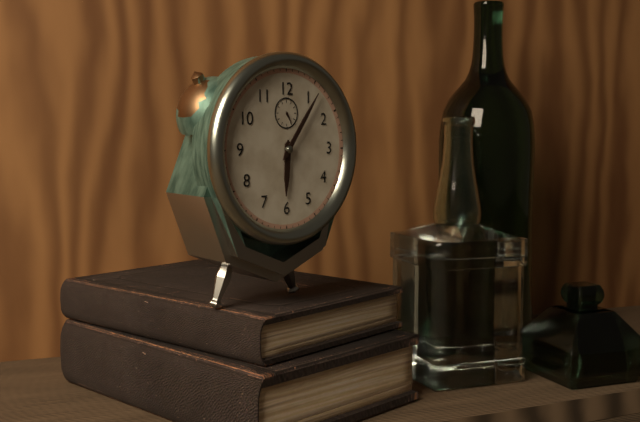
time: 6:06
